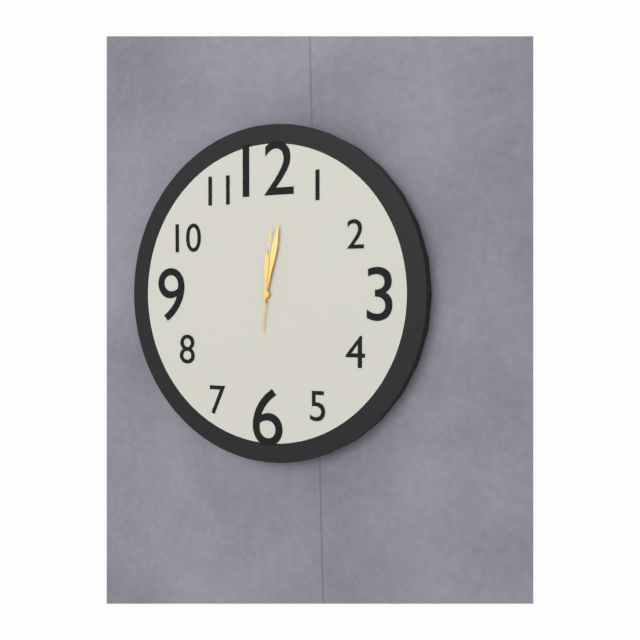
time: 12:02:01
